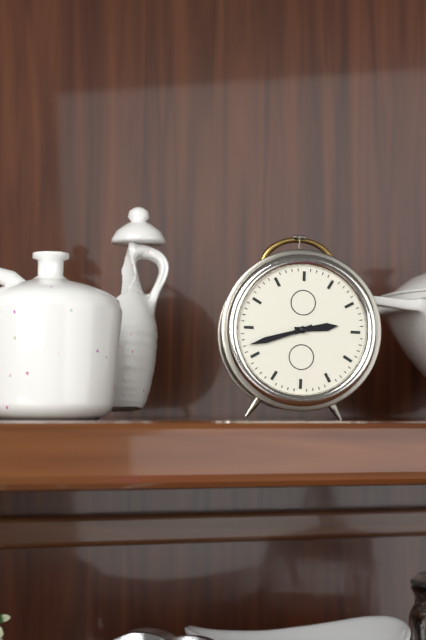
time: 2:42
